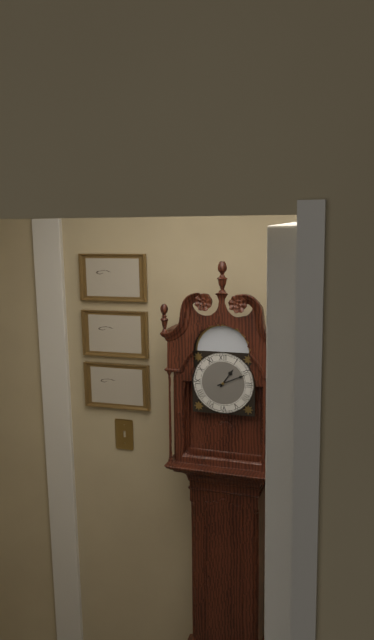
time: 1:11
